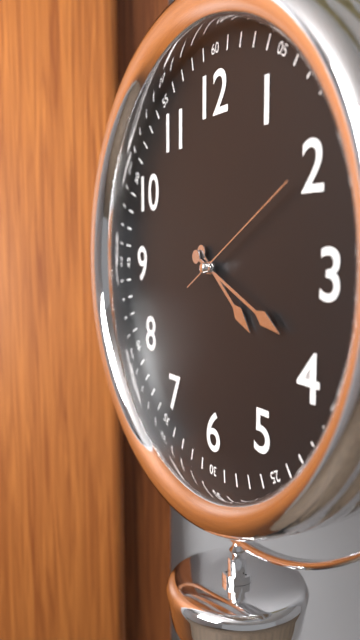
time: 4:19:10
